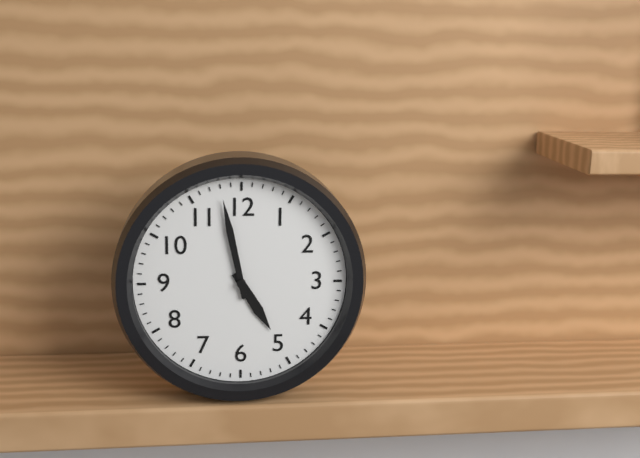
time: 4:58
